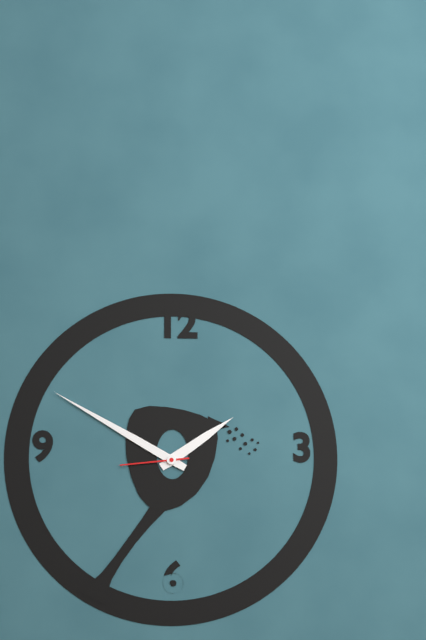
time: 1:50:44
